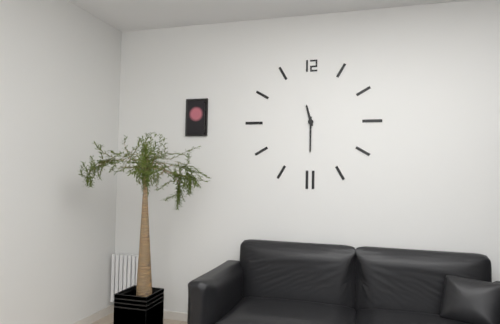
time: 11:30
